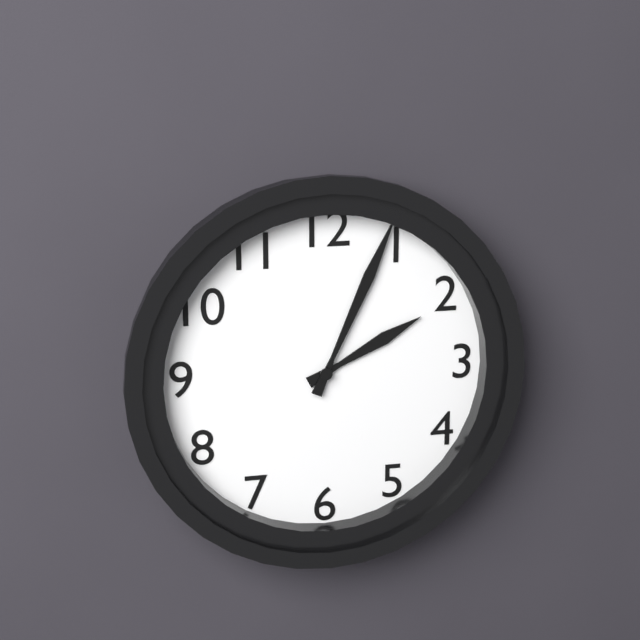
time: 2:04
